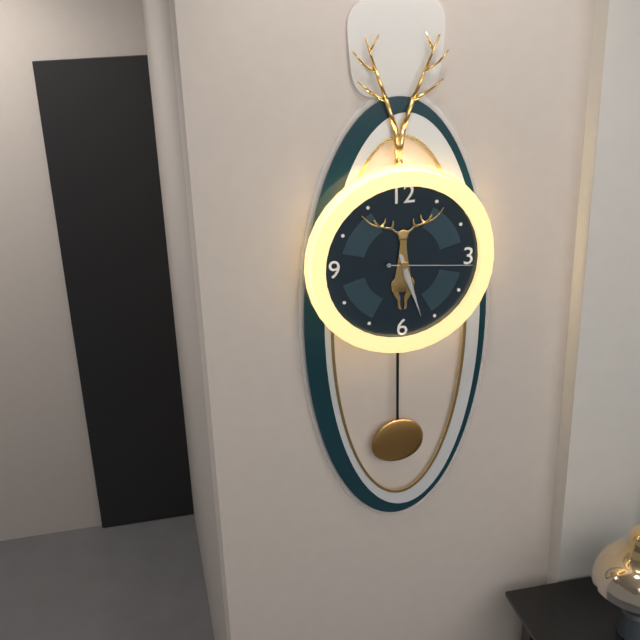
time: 5:27:16
